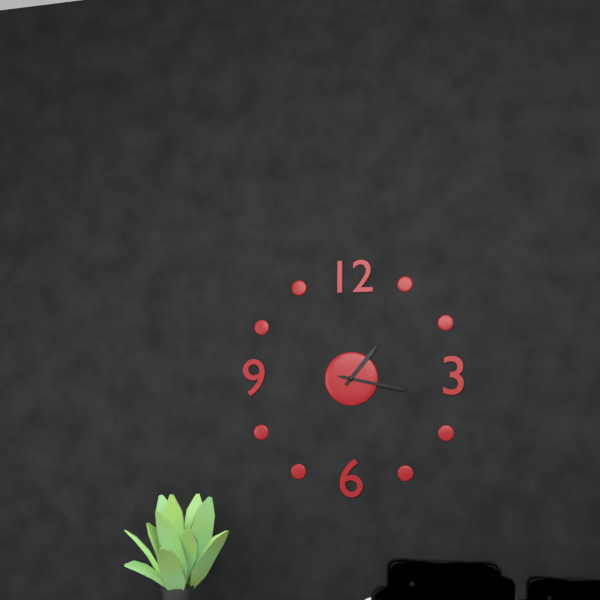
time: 1:17:17
